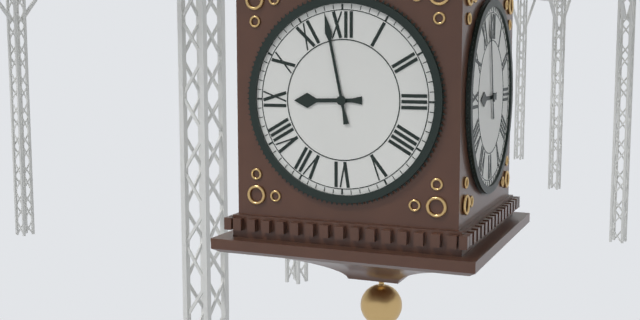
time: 8:58
